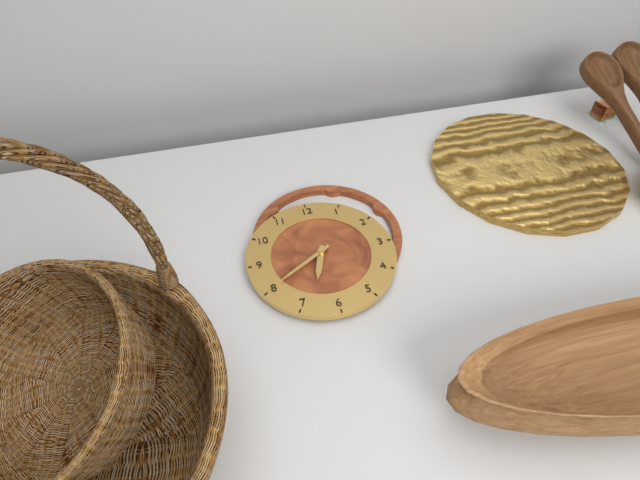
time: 6:40
